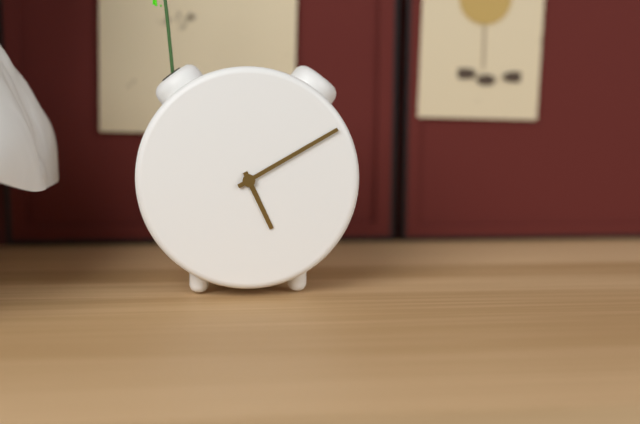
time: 5:10
